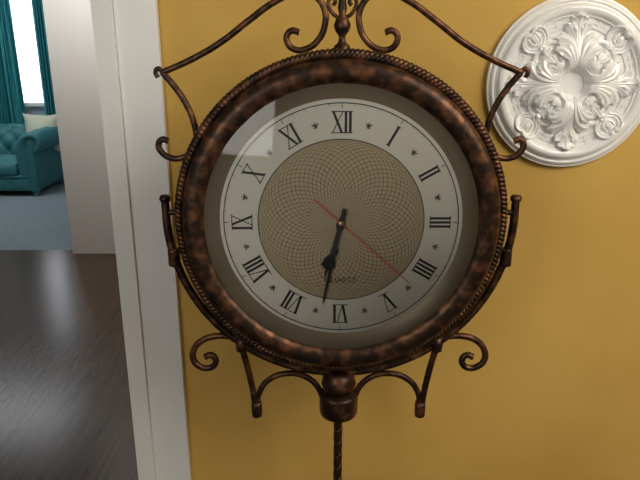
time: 6:32:22
